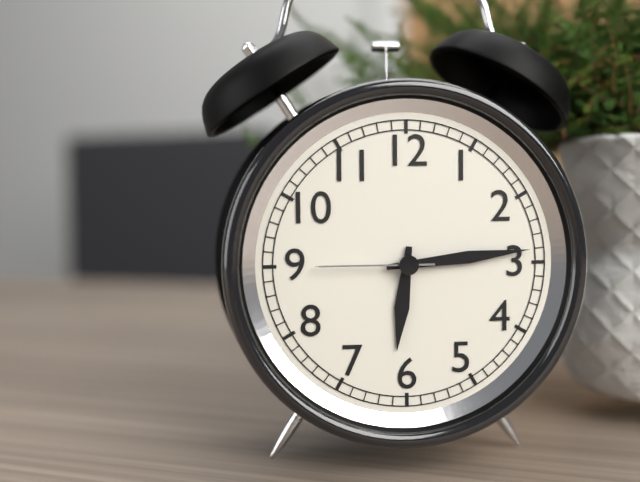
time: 6:14:45
